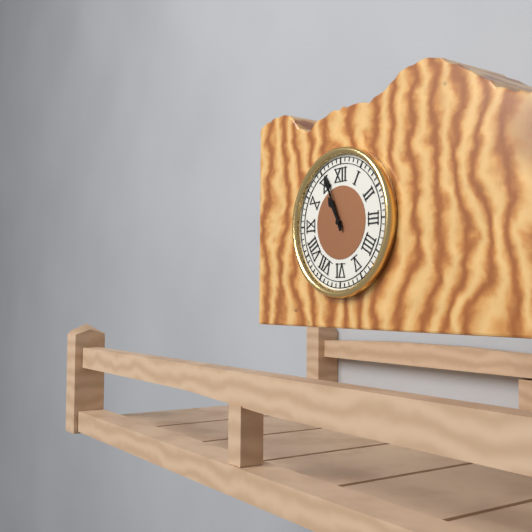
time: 10:56
